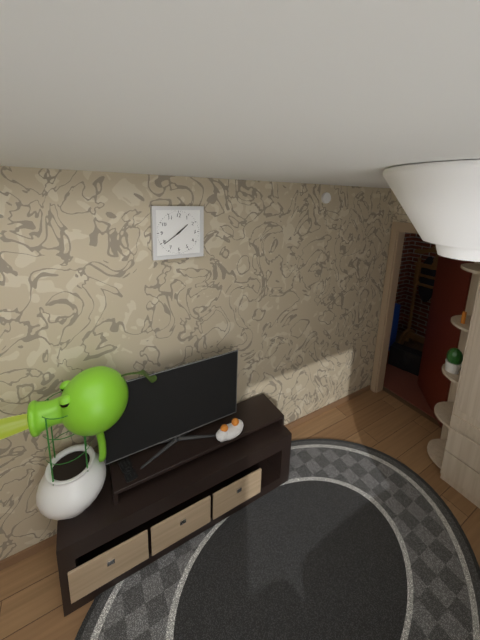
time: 1:39
